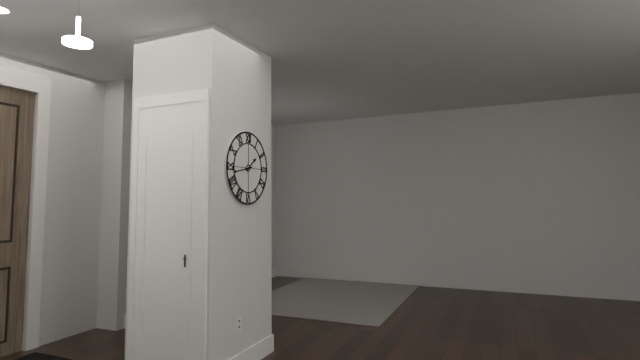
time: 1:43
